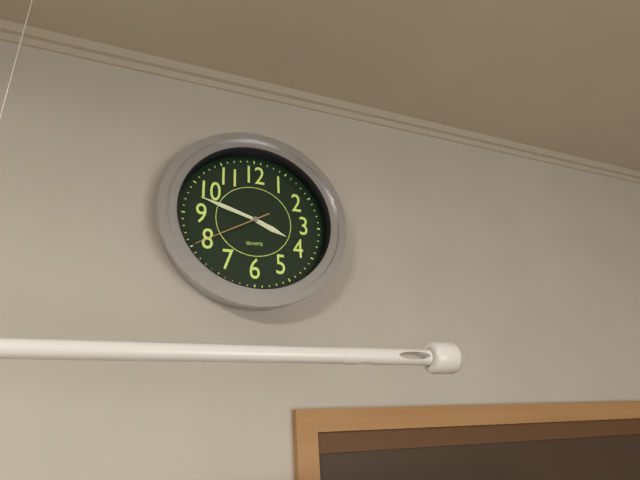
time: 3:48:40
